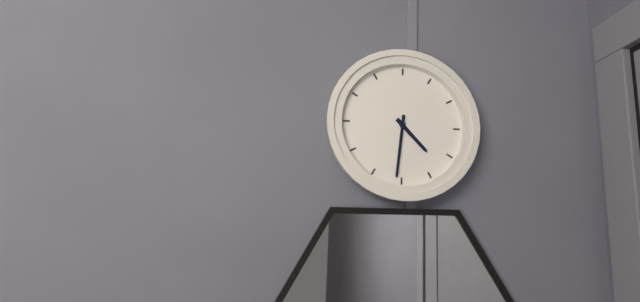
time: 4:31
